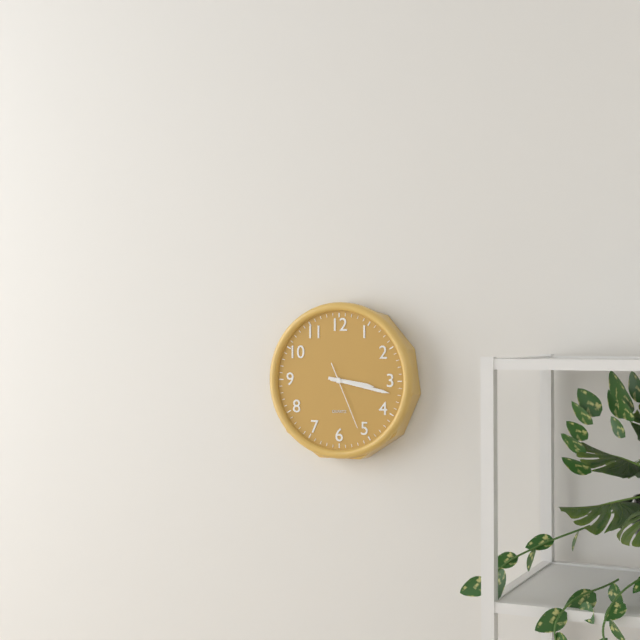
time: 3:17:26
